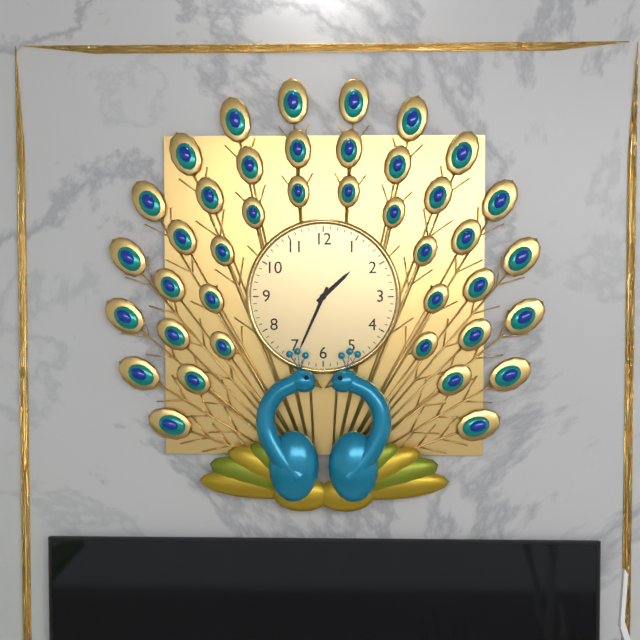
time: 1:34
